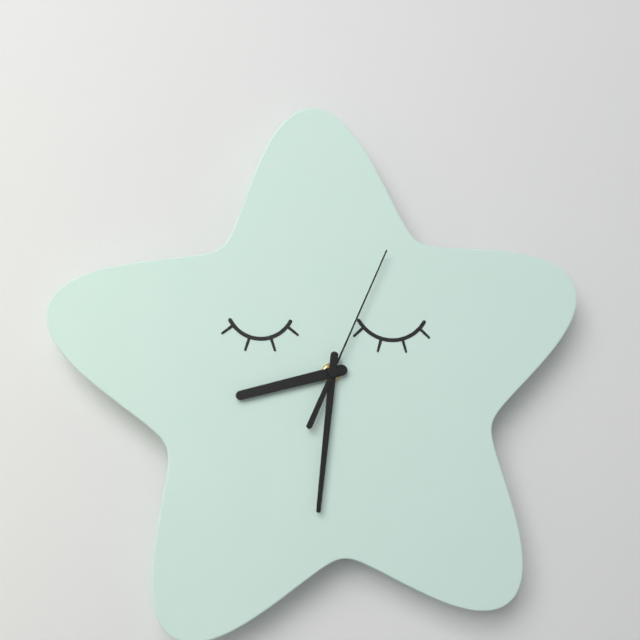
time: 8:31:04
